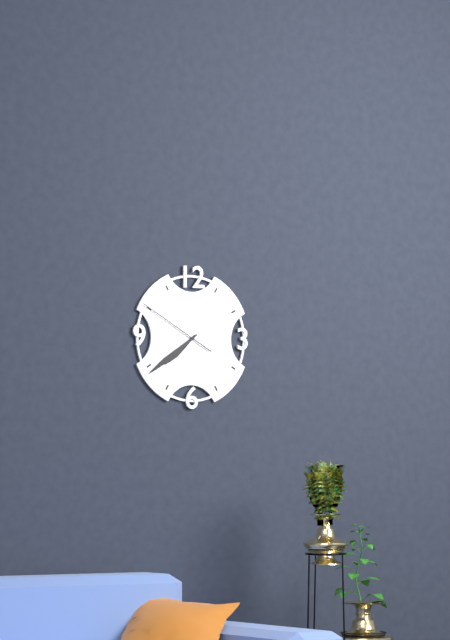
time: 7:39:50
